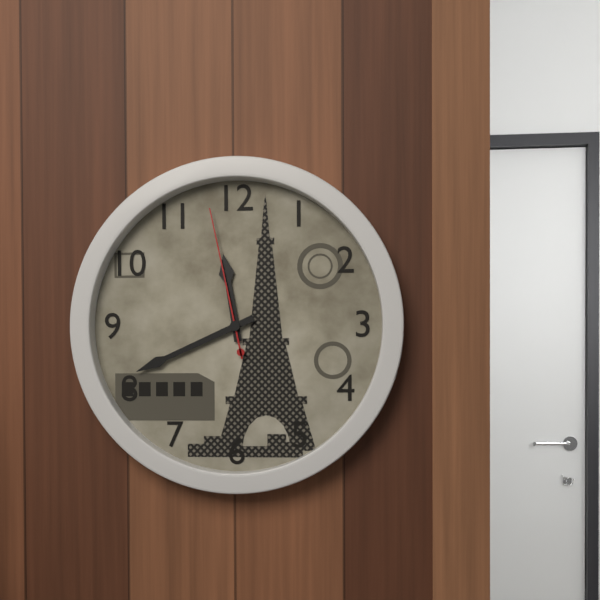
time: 11:41:58
